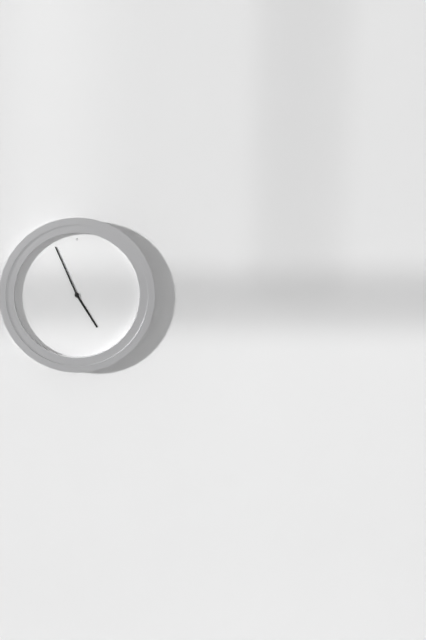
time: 4:56
